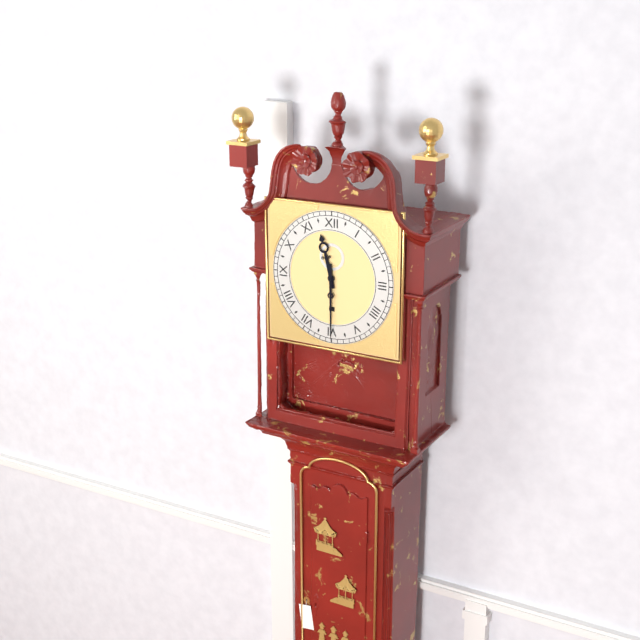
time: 11:30
